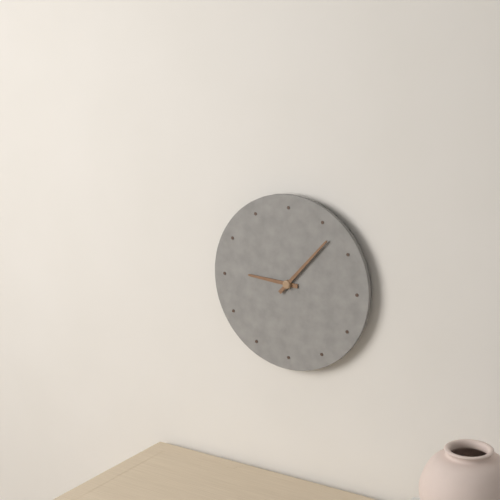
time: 9:07
